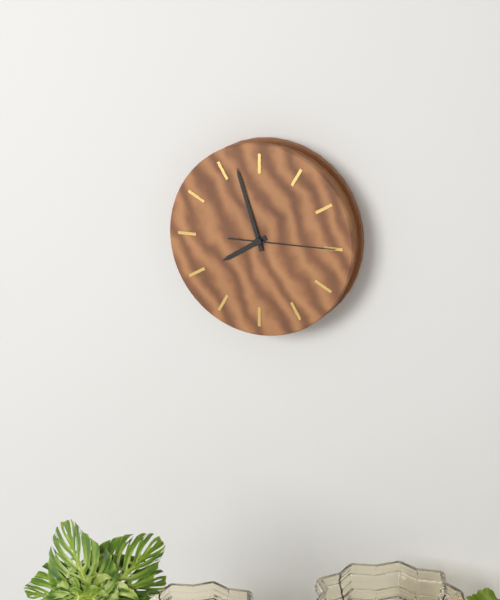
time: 7:57:15
